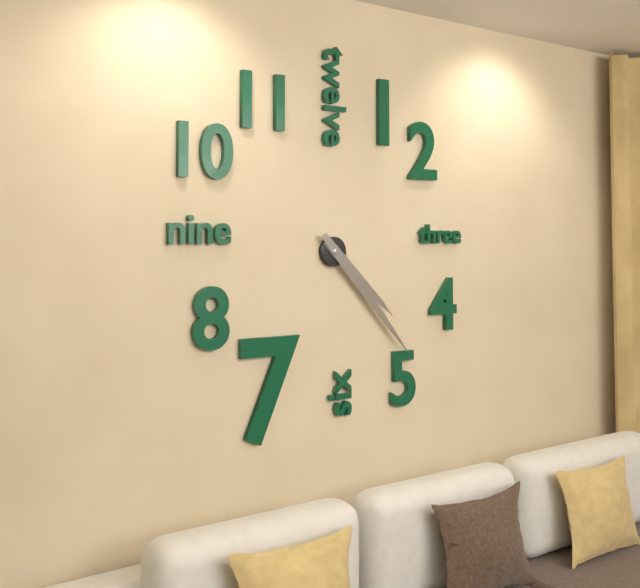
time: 4:23
